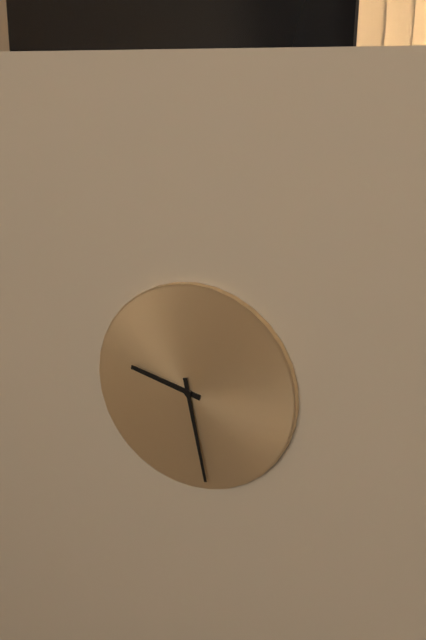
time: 9:28
